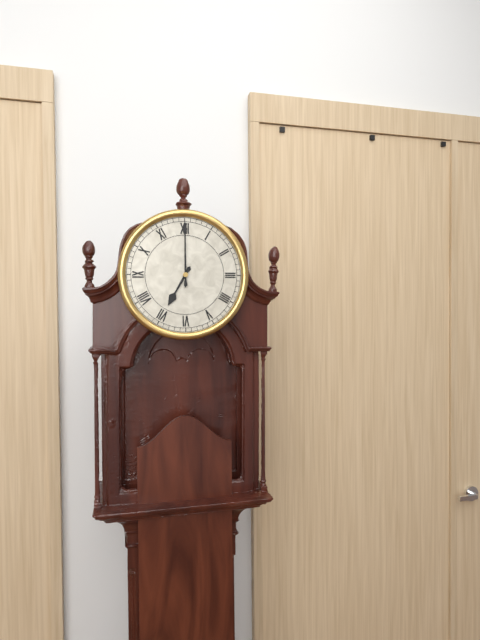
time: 7:00
